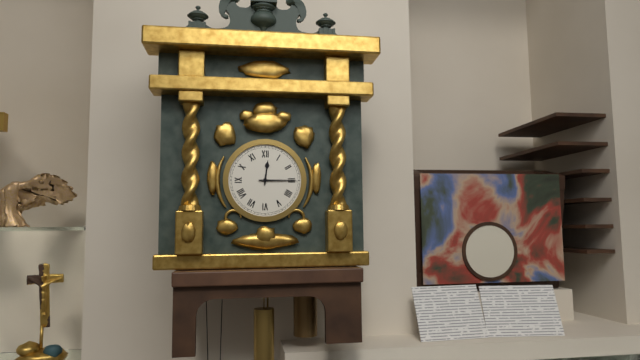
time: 12:15
